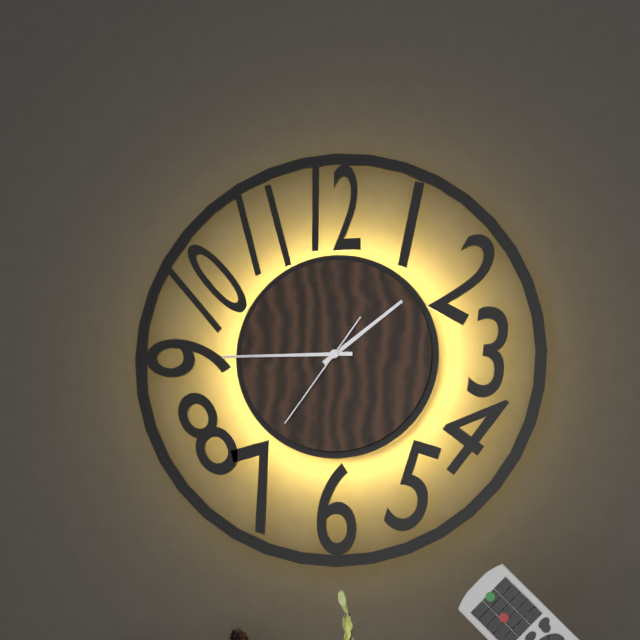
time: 1:45:36
